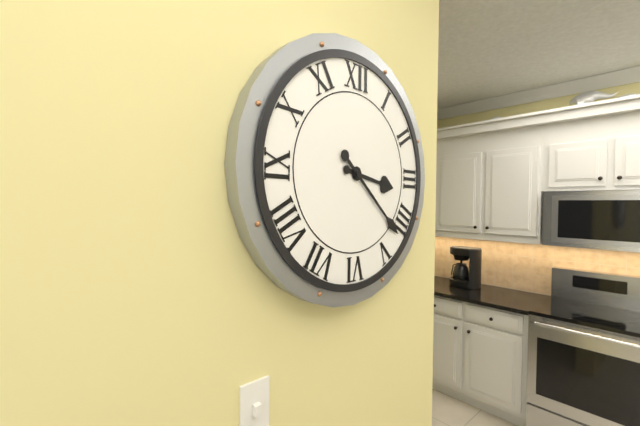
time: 3:22
